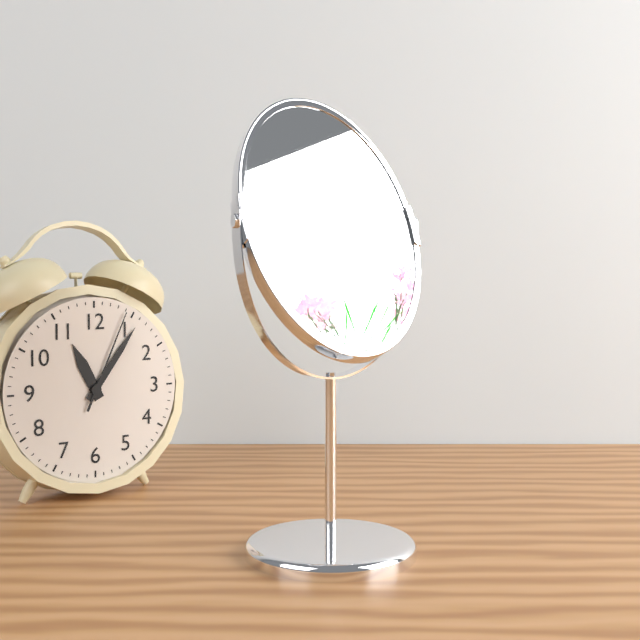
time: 11:06:04
